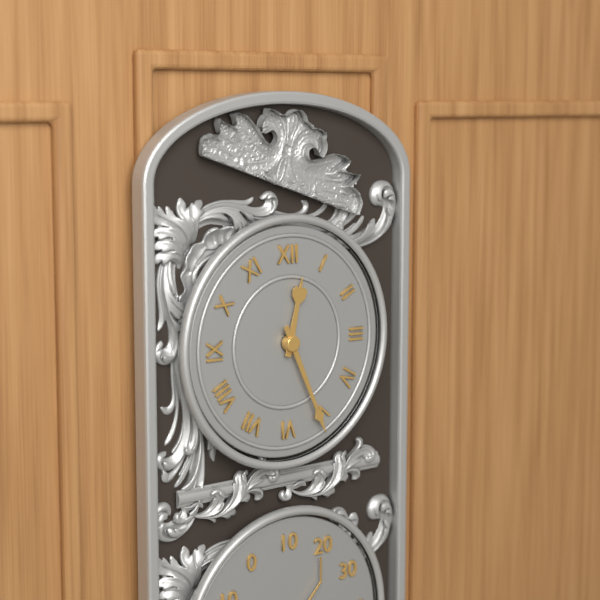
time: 12:26
